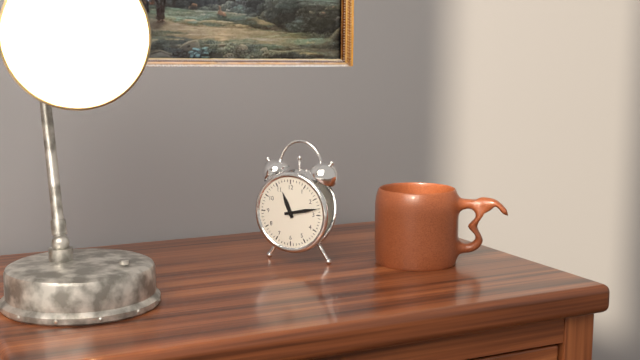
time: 11:13
